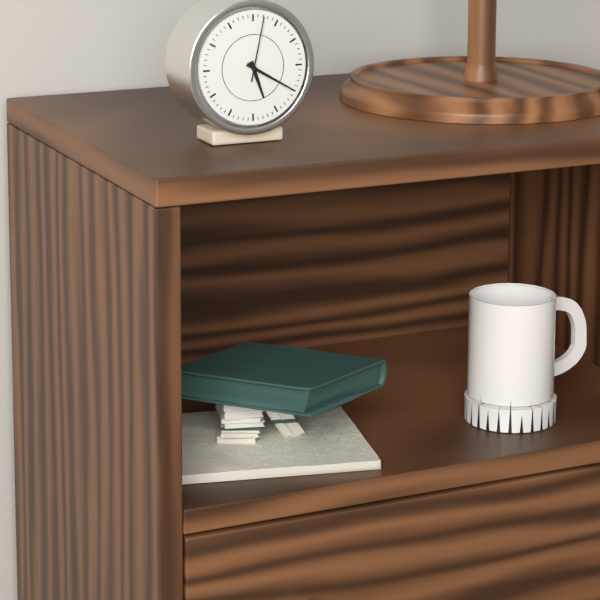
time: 5:20:02
